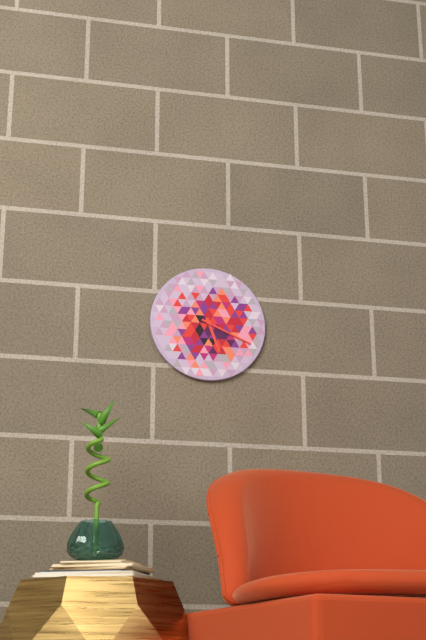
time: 5:19
